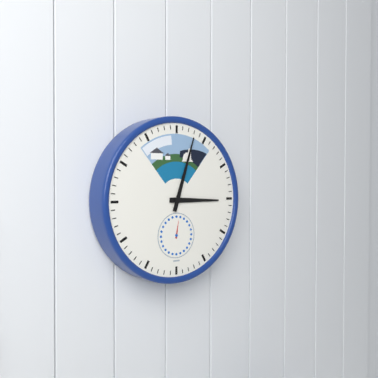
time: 3:03
